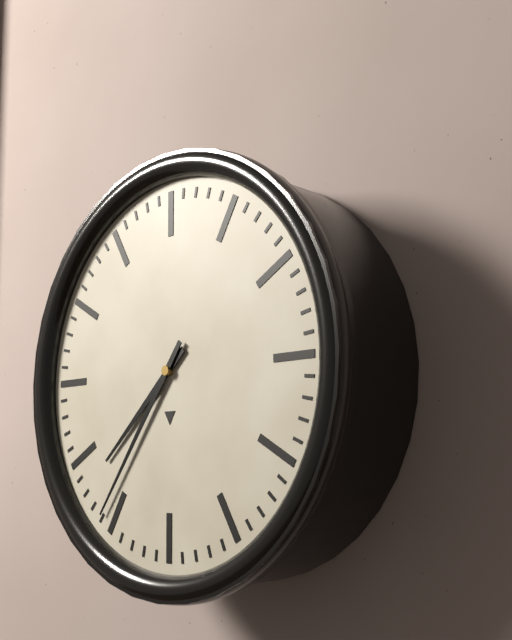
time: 7:36
